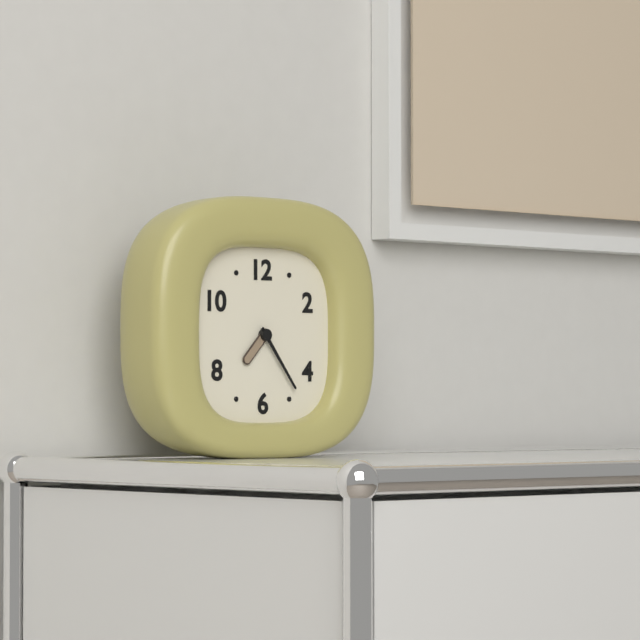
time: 7:24
